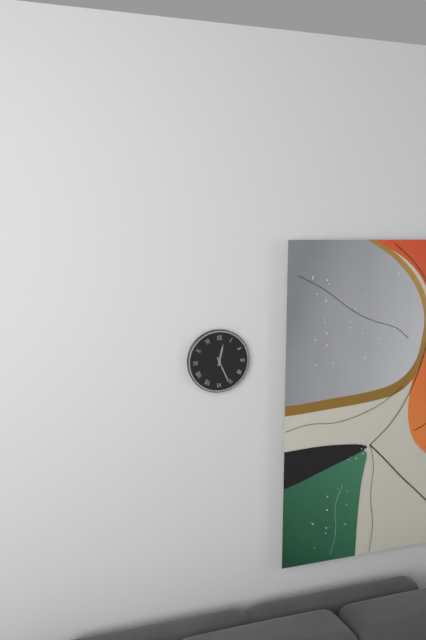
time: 12:26
